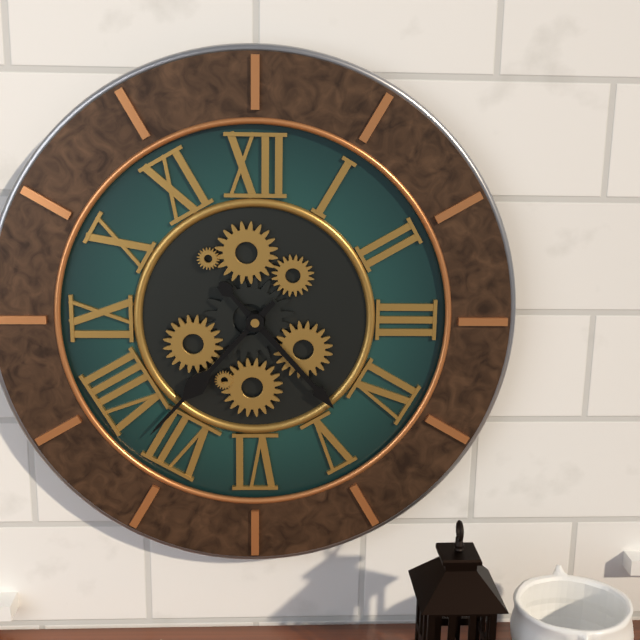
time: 4:37
